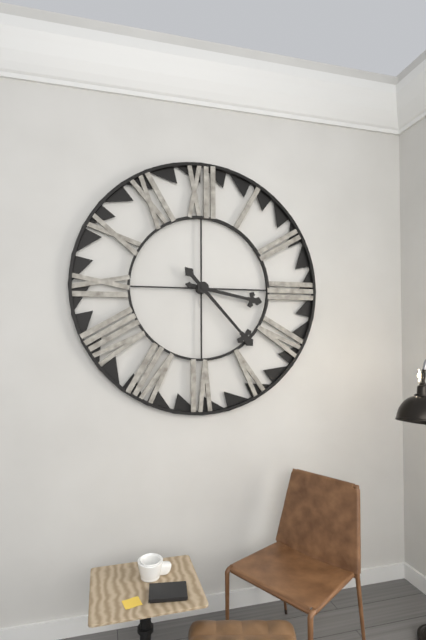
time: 3:23
